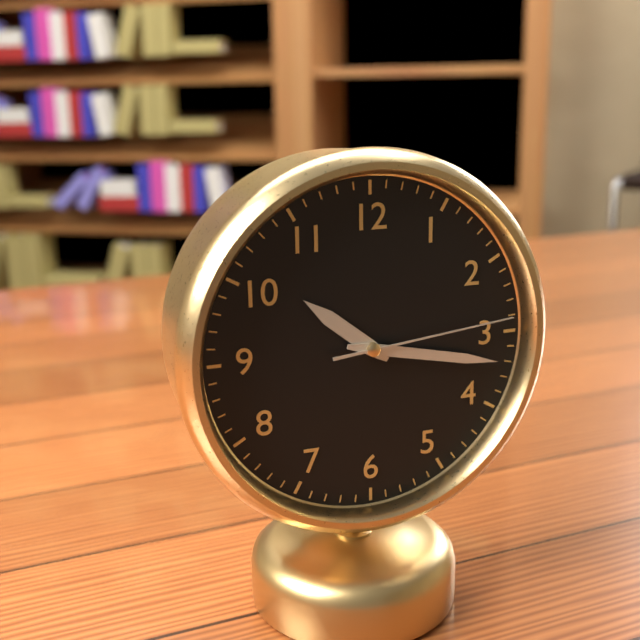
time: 10:17:14
